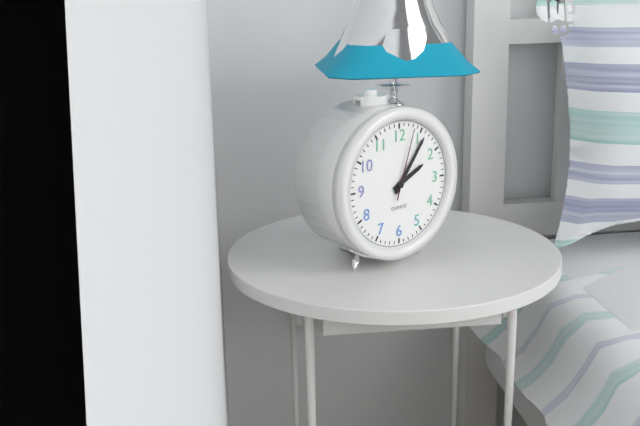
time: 2:06:03
